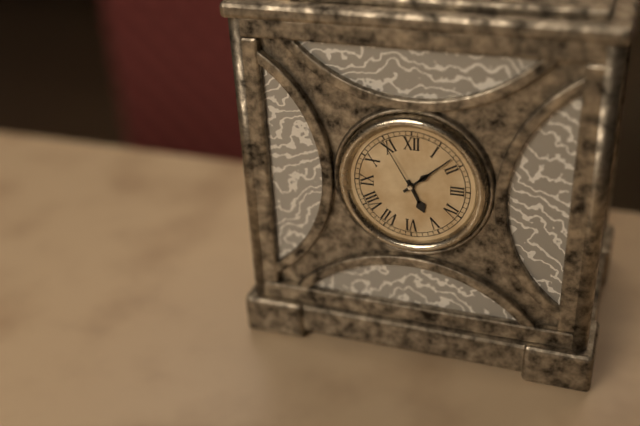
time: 5:08:55
